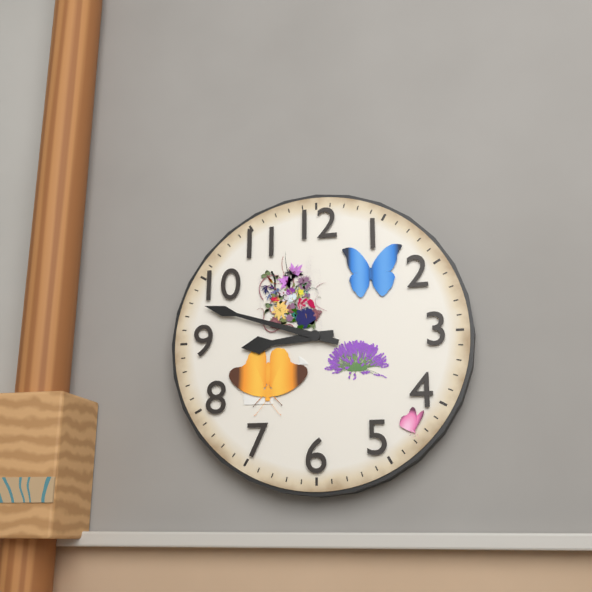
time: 8:48
